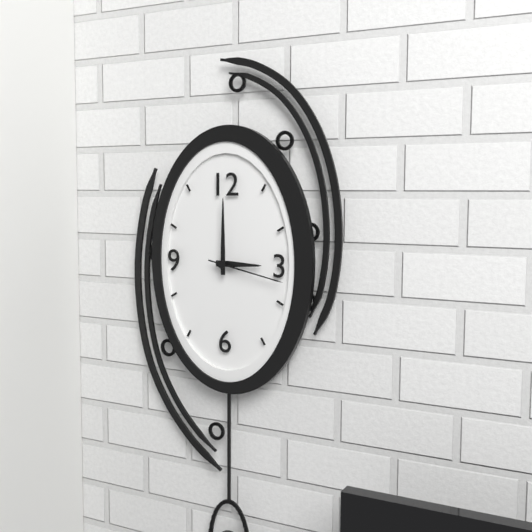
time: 3:00:17
